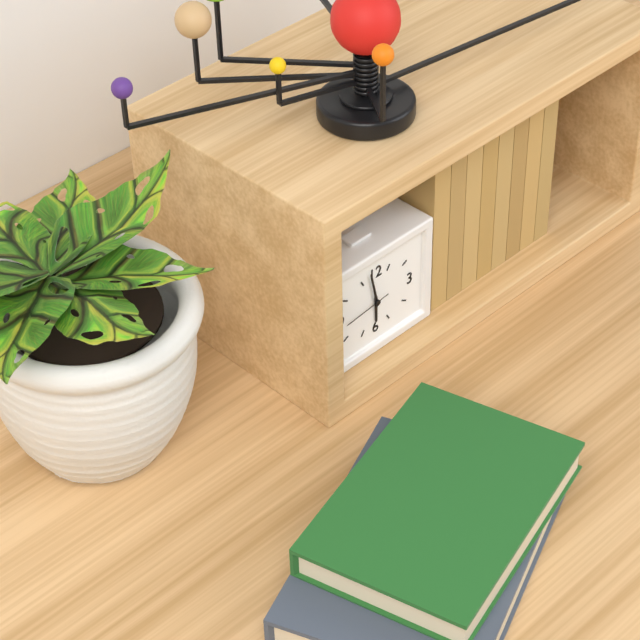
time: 5:58
